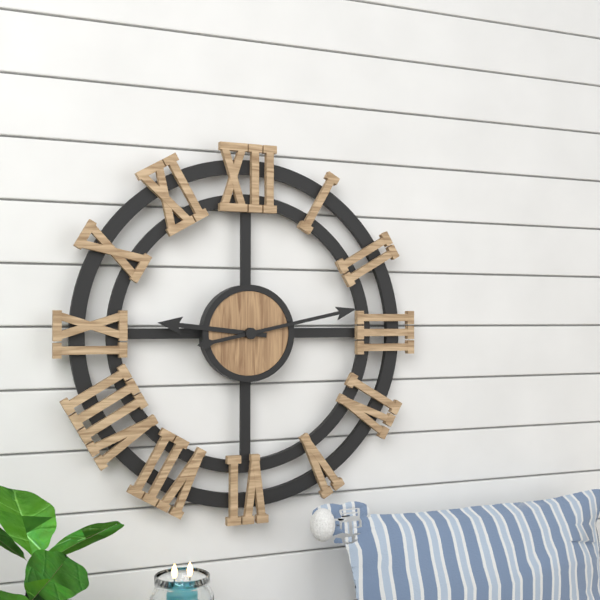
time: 9:13
